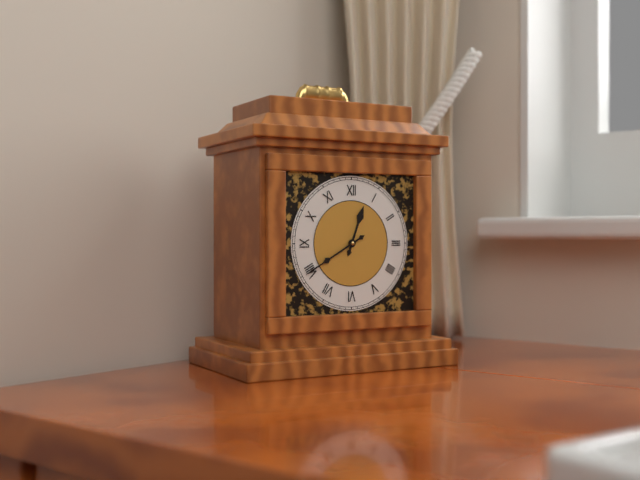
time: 12:40
